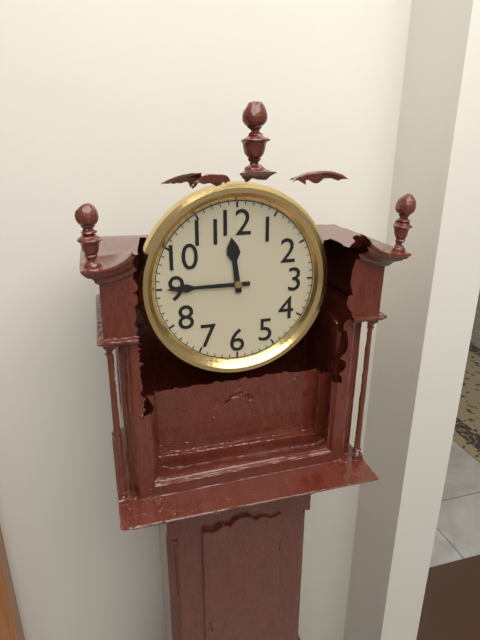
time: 11:45
